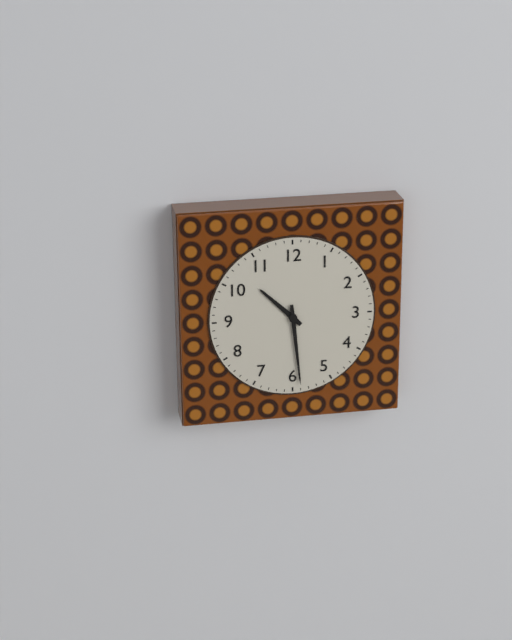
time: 10:29
